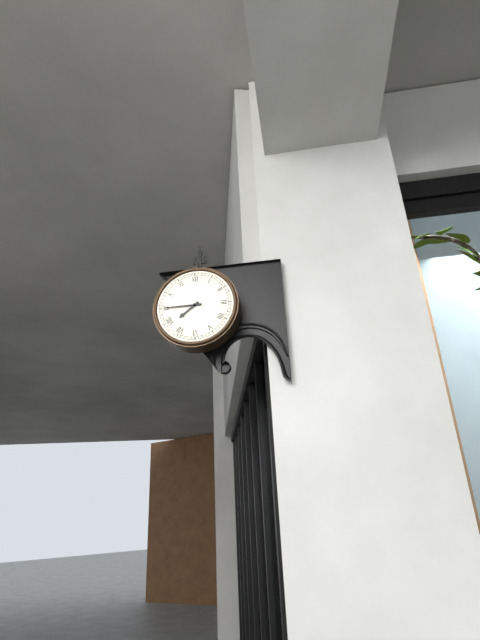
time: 7:45
